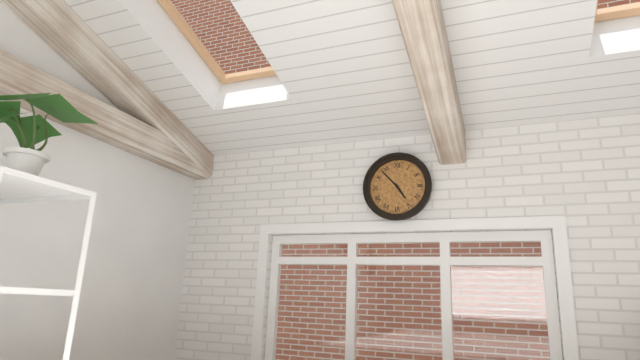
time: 4:53
